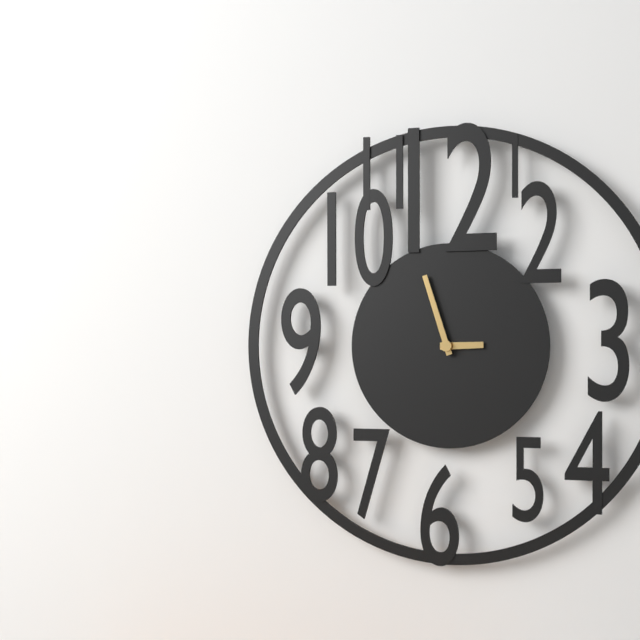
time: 2:57
